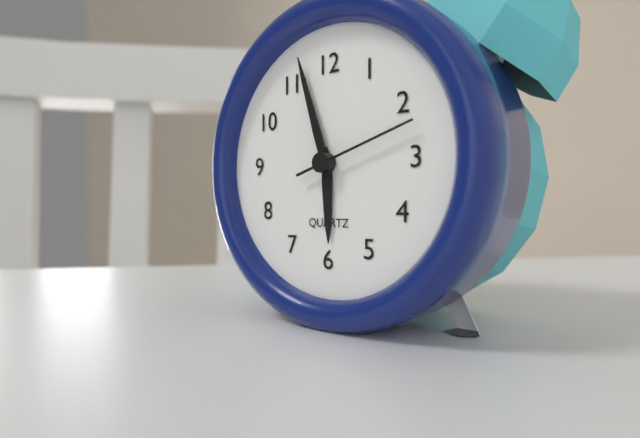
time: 5:57:12
